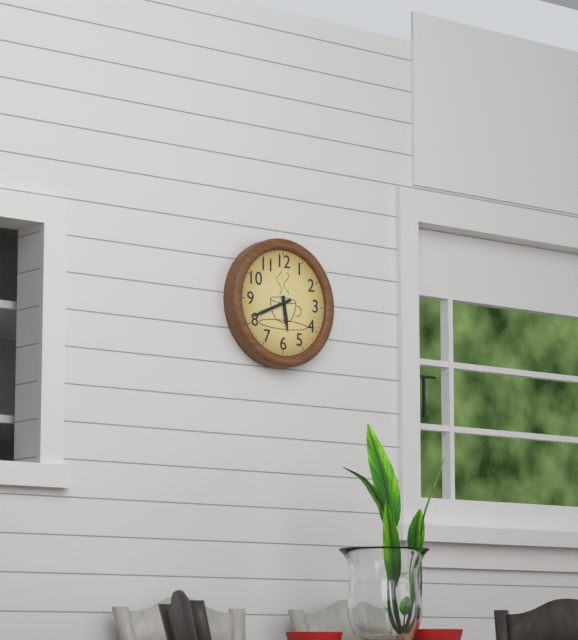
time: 5:41
